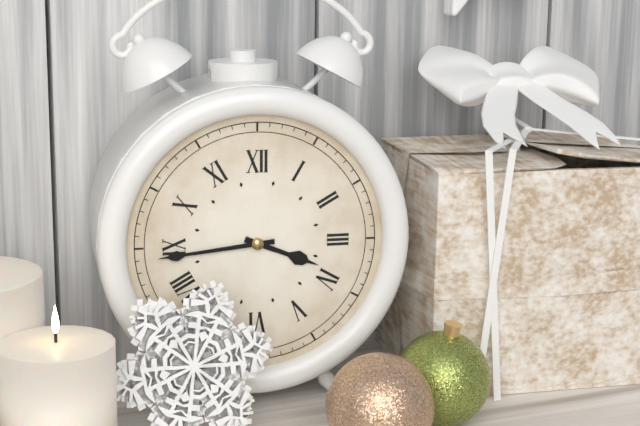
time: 3:44
